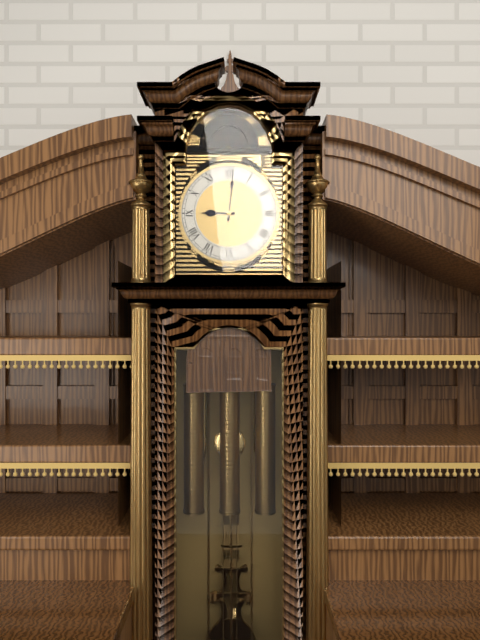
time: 9:01
